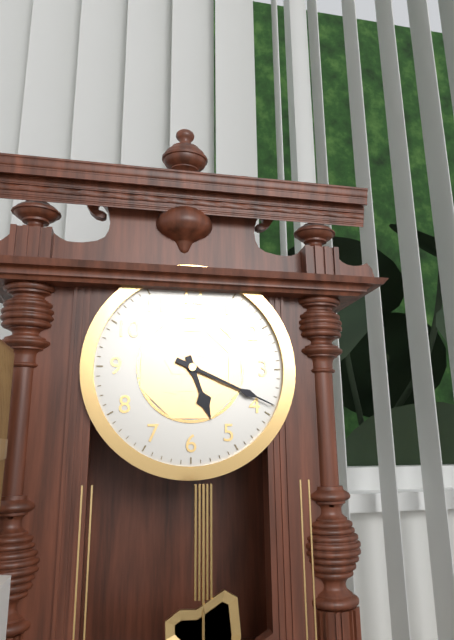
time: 5:19
